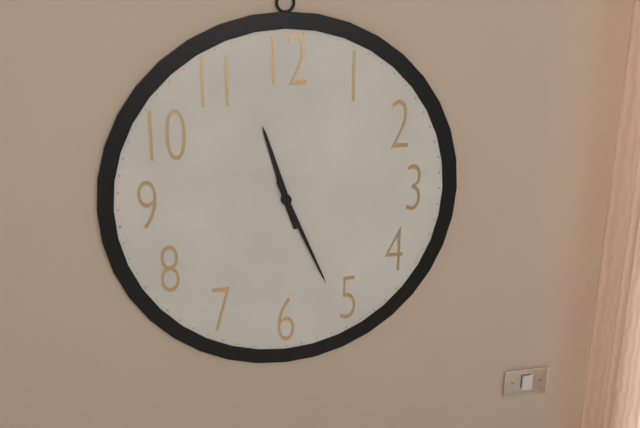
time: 11:26
